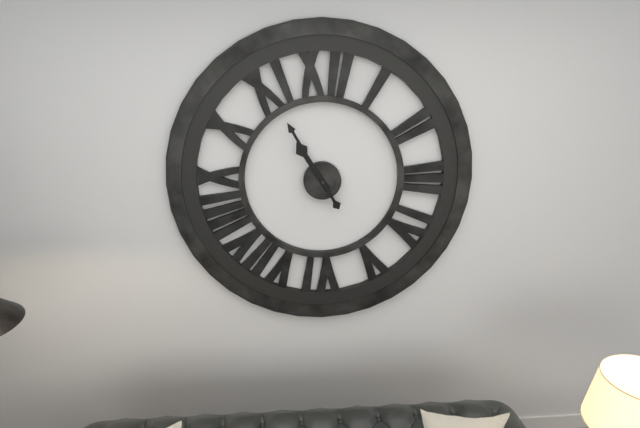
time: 10:55
